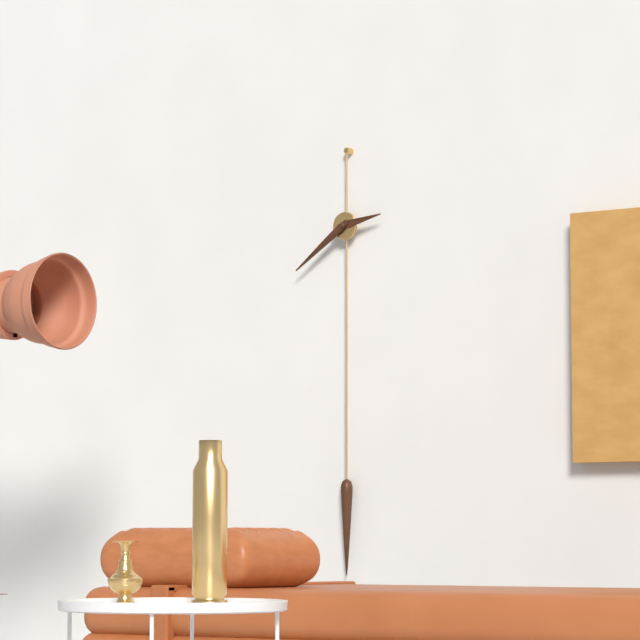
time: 2:39
